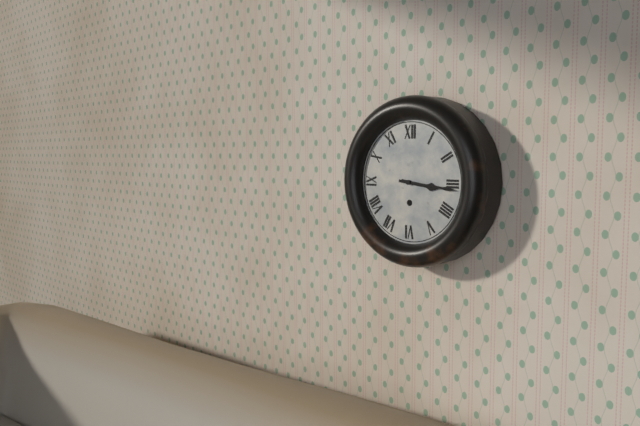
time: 3:16
